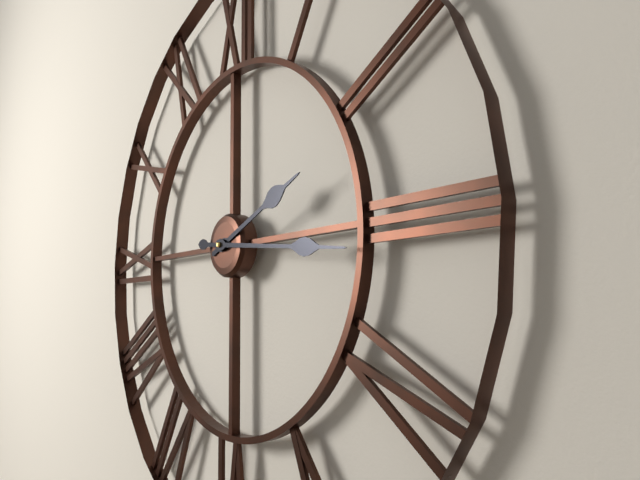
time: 2:16
